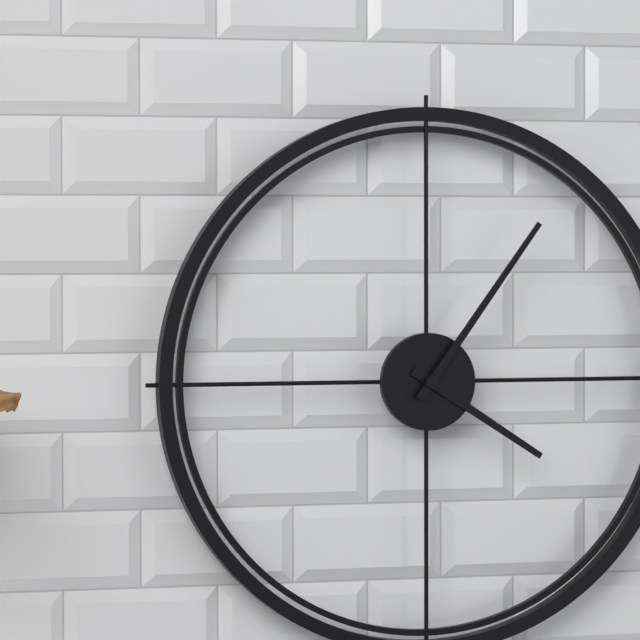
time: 4:06
